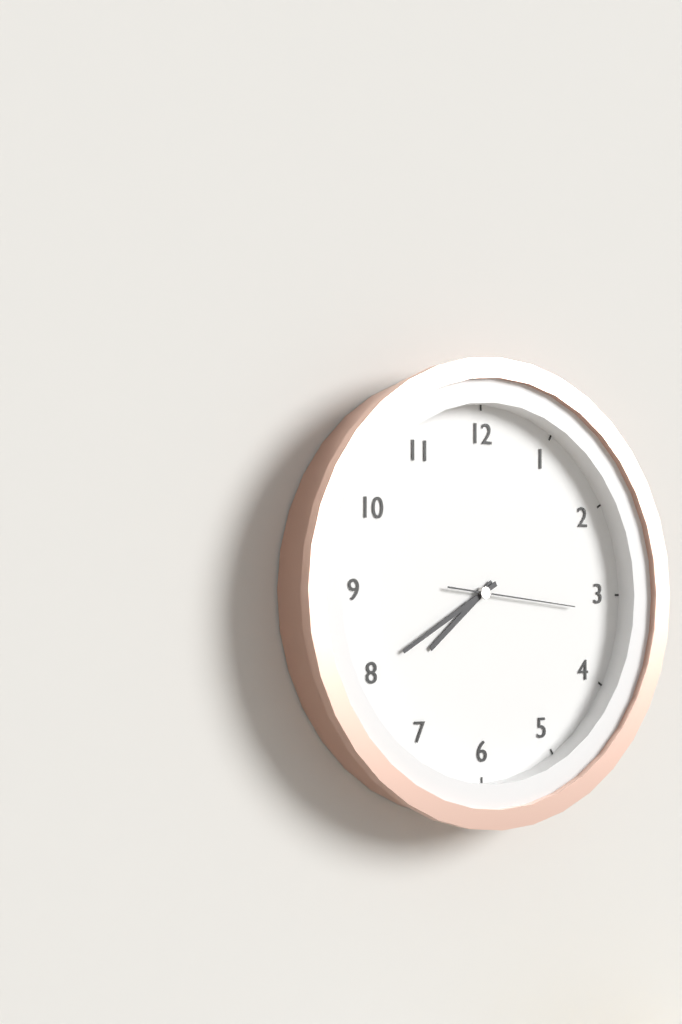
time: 7:40:16
